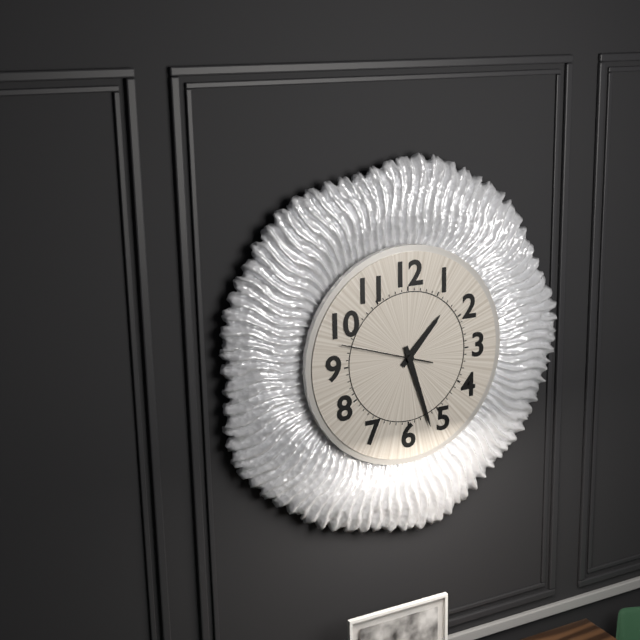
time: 1:27:48
